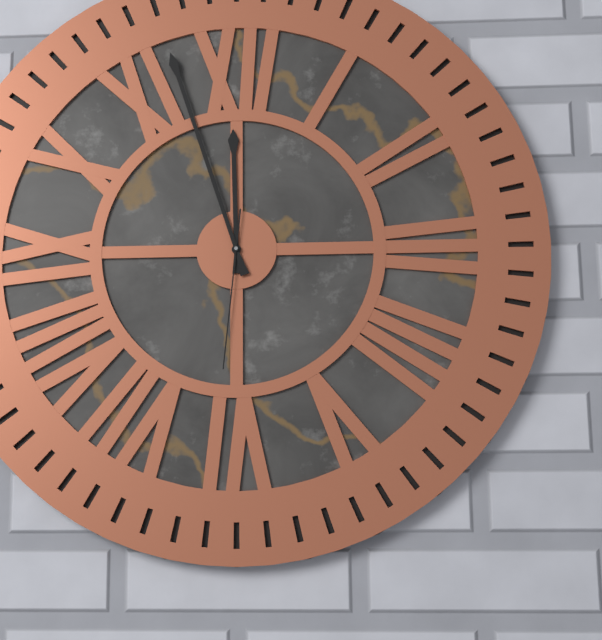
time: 11:57:31
